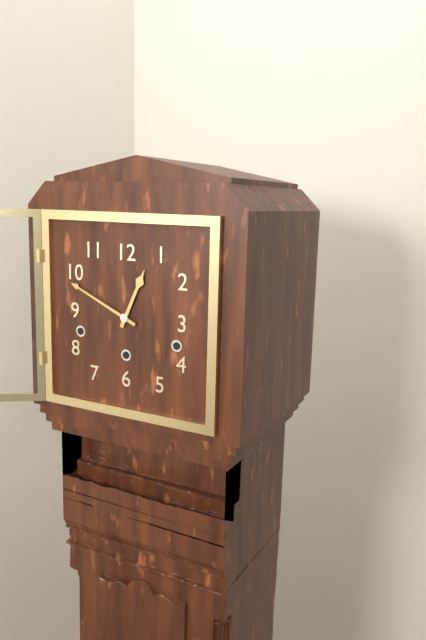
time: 12:49
